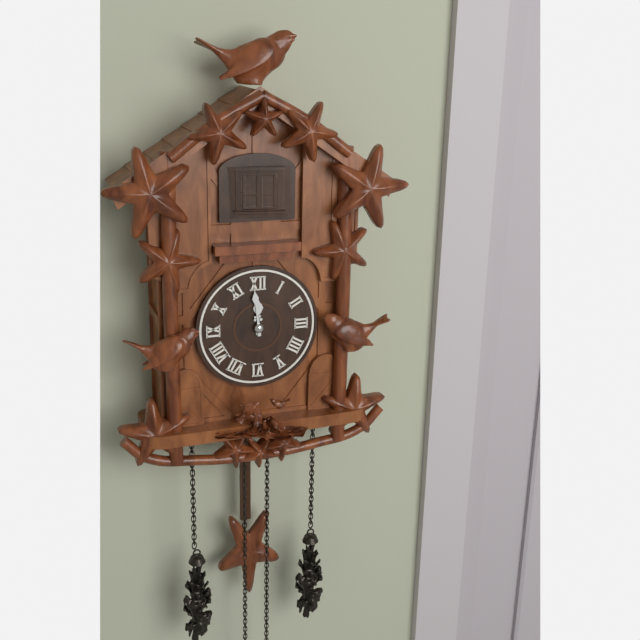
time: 11:59
